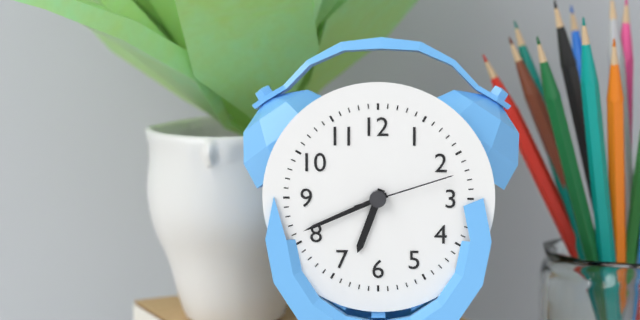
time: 6:41:12
